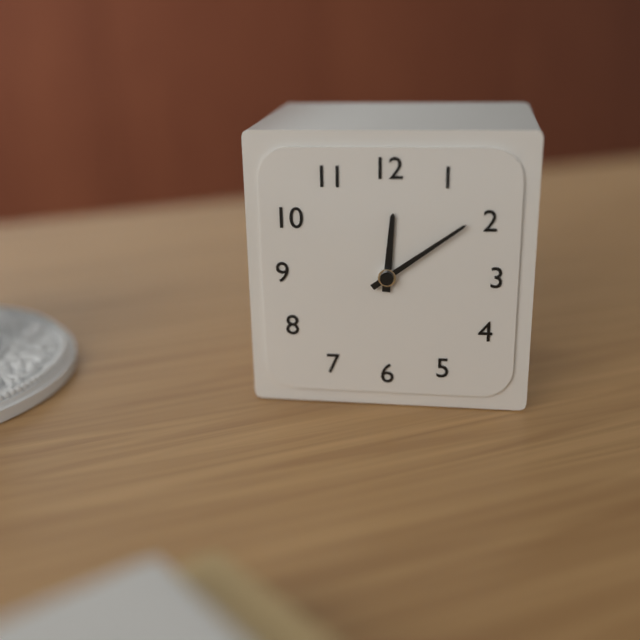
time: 12:09
